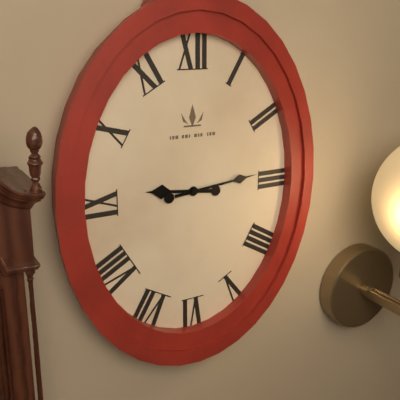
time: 9:14
